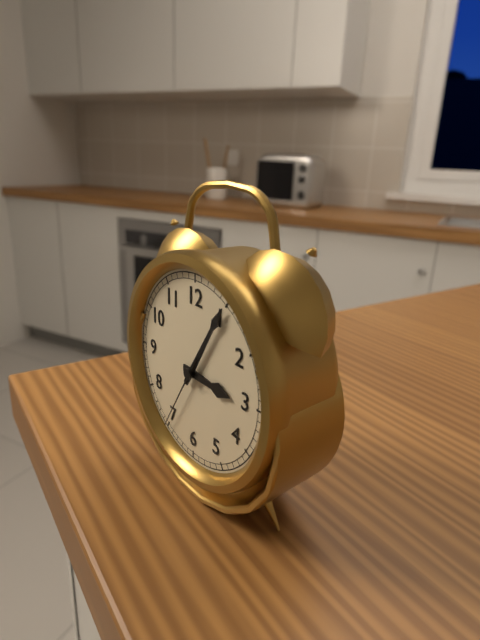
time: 3:05:35
